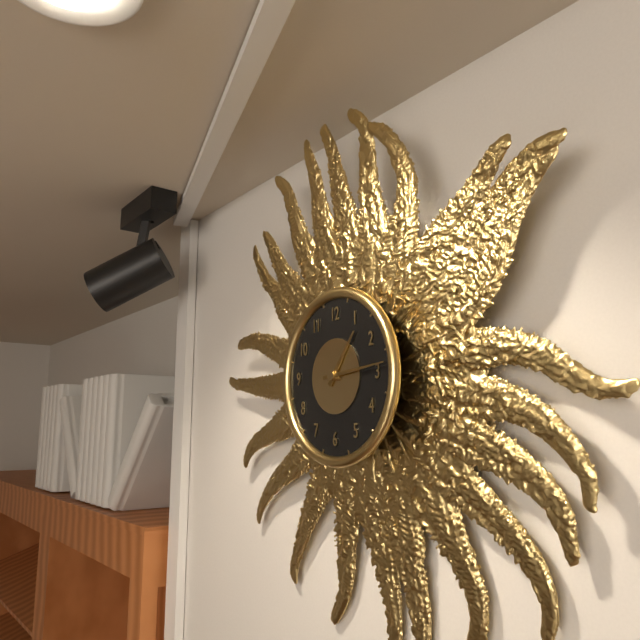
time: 1:14
